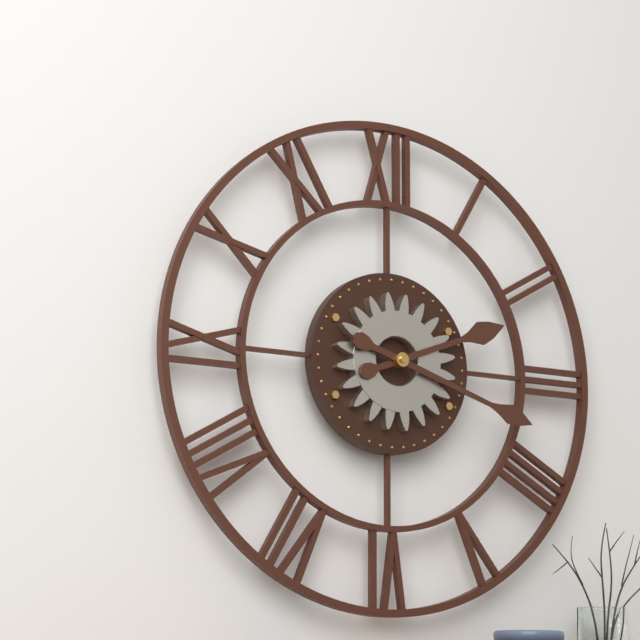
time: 2:18
